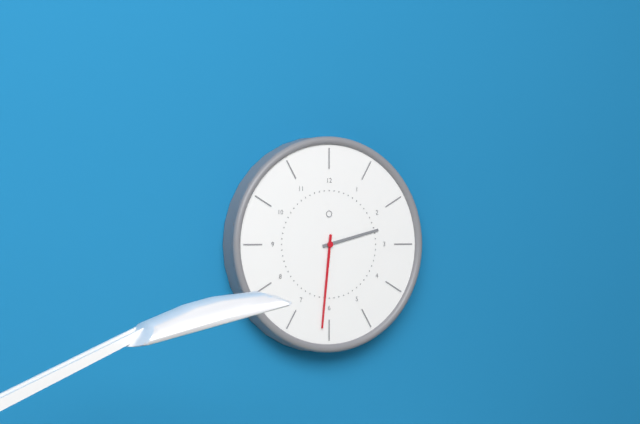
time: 2:31
